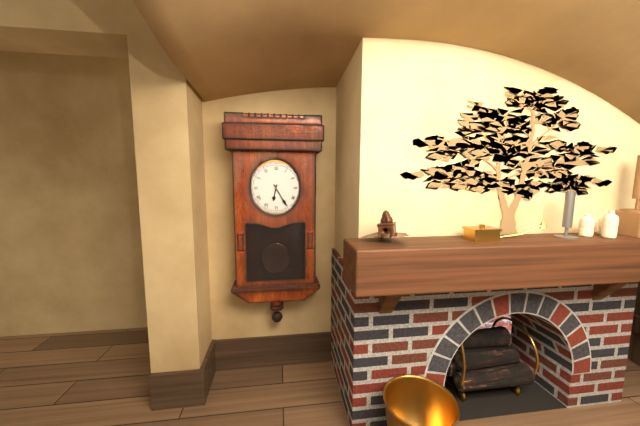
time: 6:25
